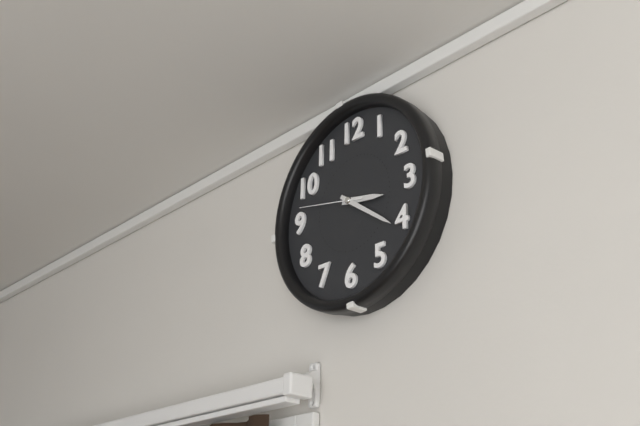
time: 3:21:47
